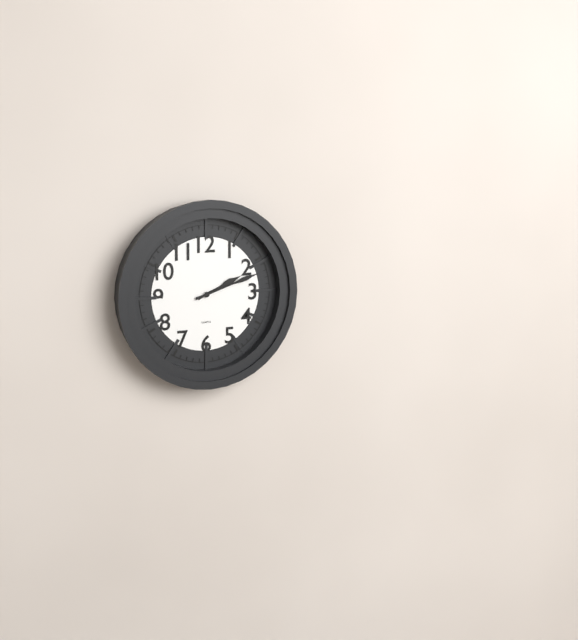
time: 2:12
